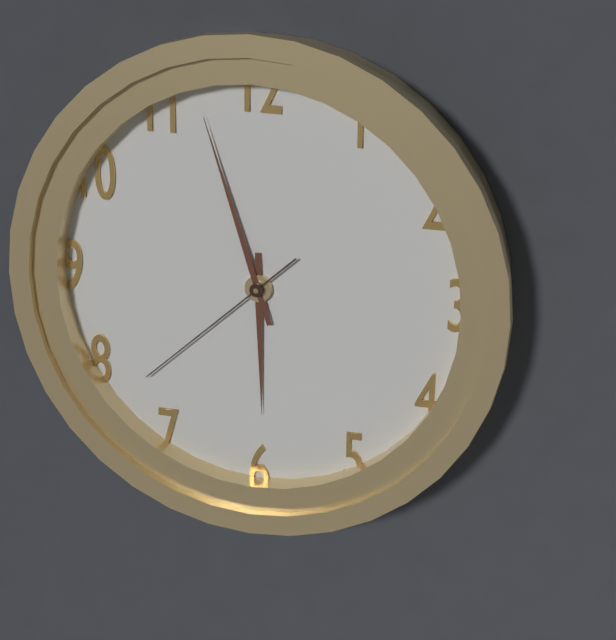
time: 5:57:38
